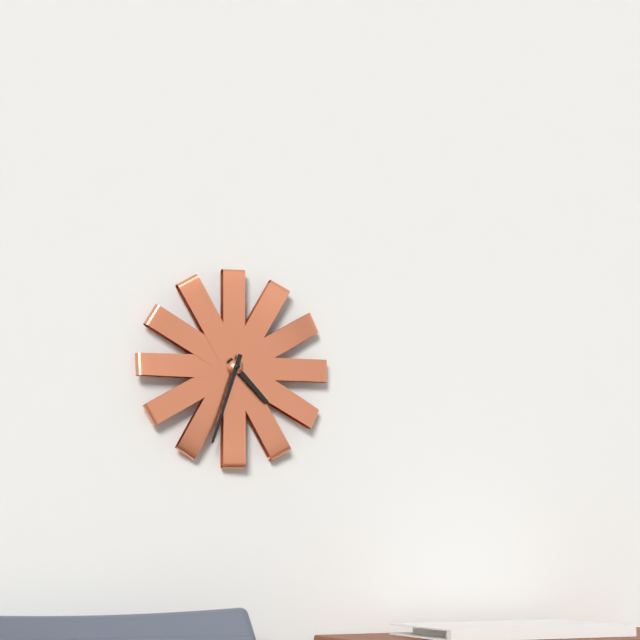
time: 4:33
